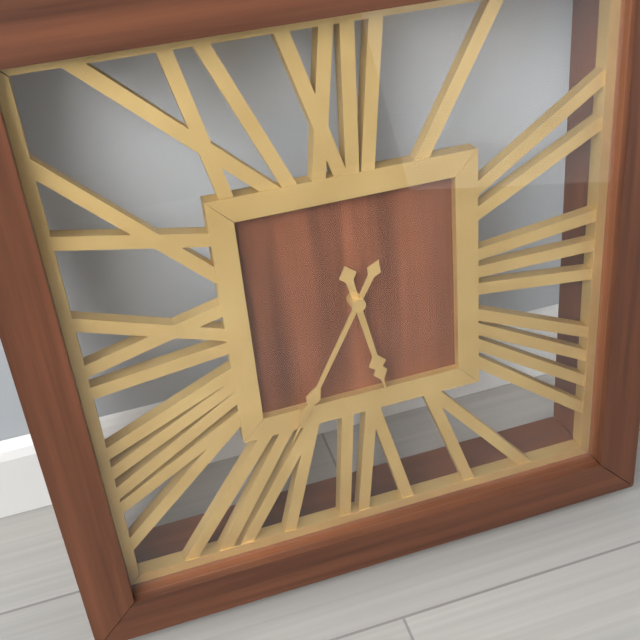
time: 5:35
